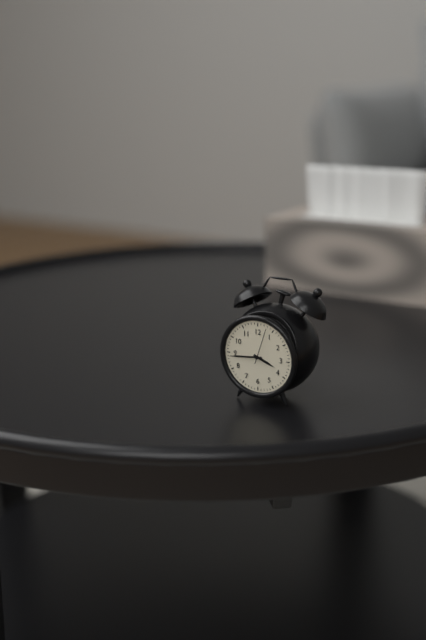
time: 3:44
